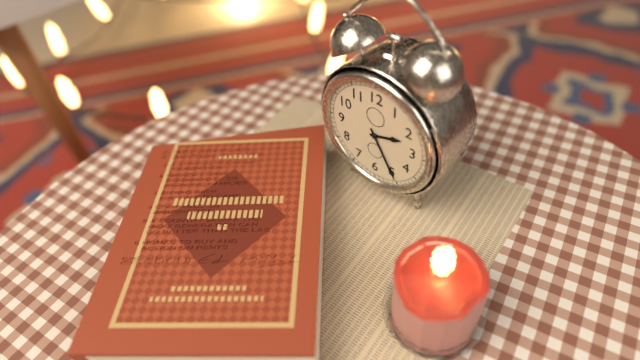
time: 2:25
